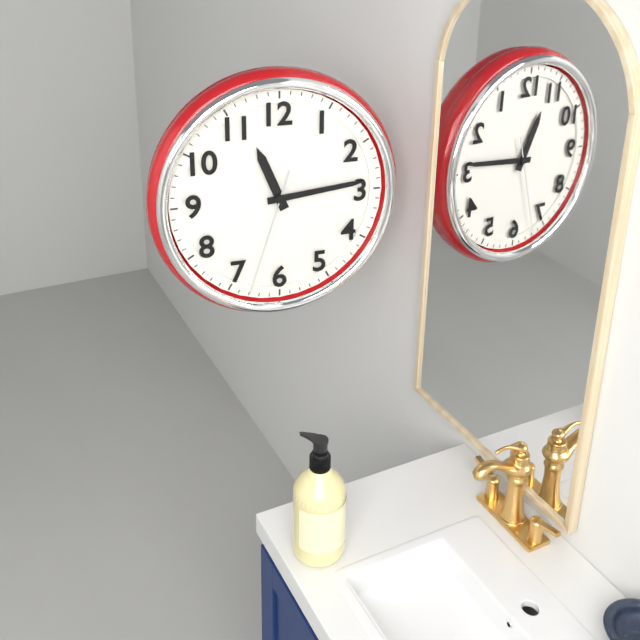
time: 11:14:33
